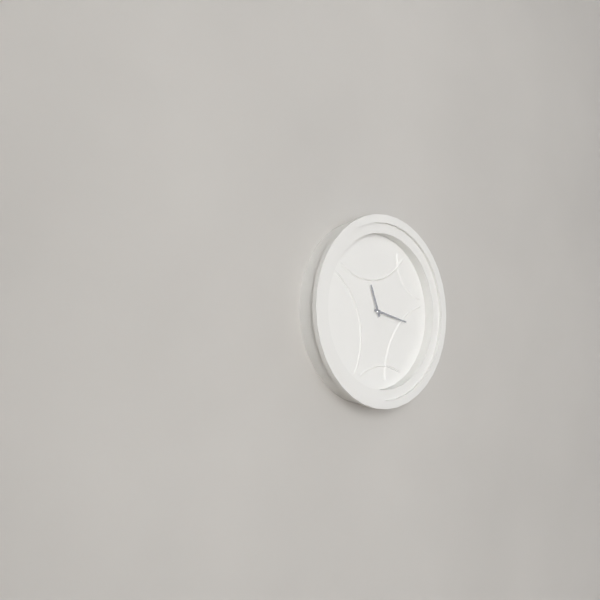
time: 11:17
